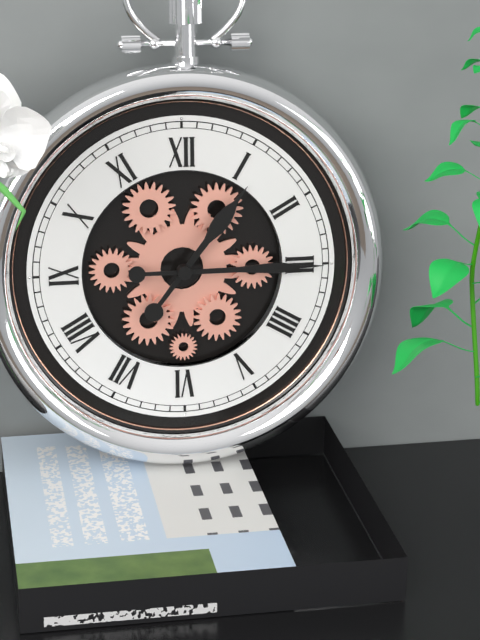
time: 1:15
